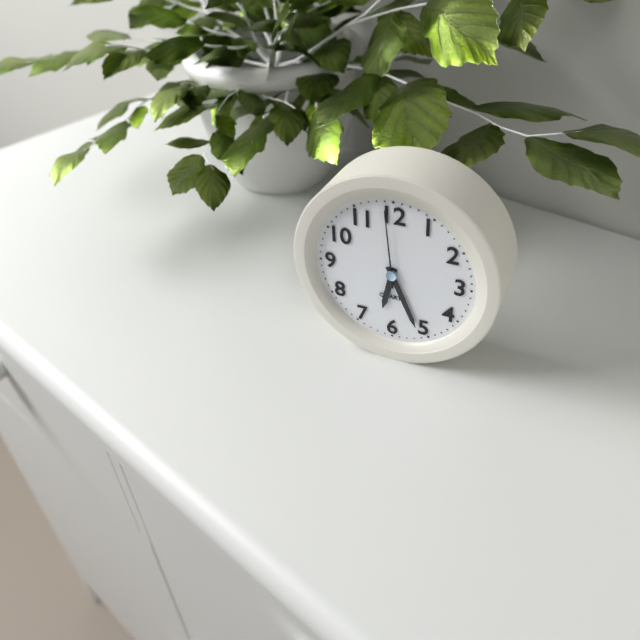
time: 6:26:59
